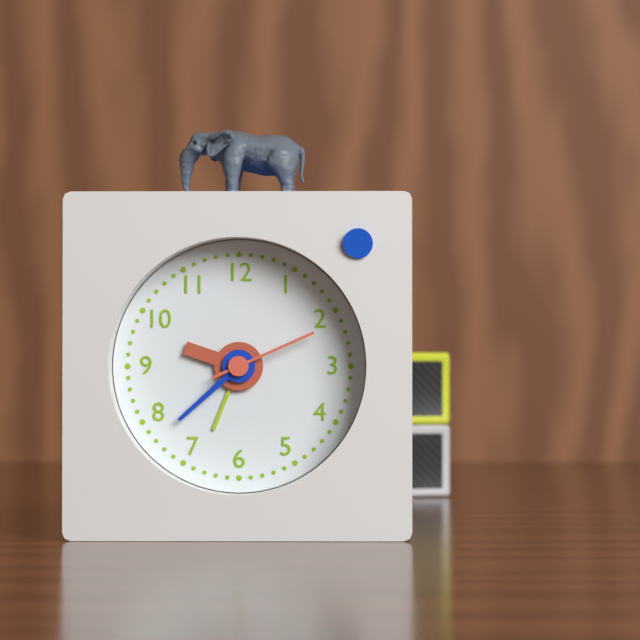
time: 9:38:11
